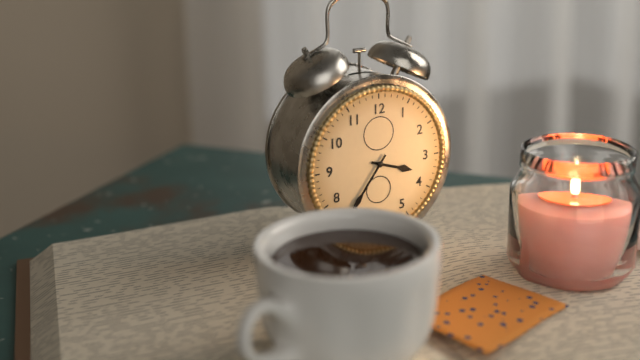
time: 3:36
